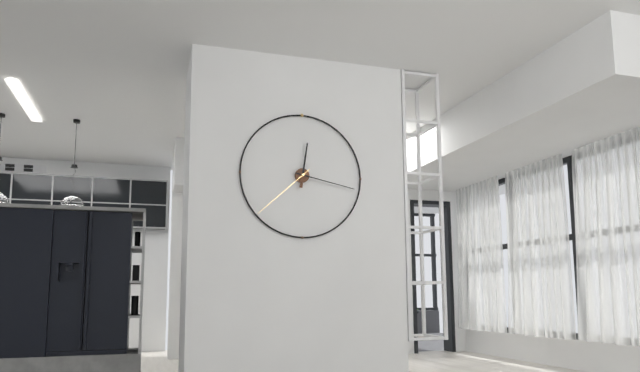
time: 12:17:38
